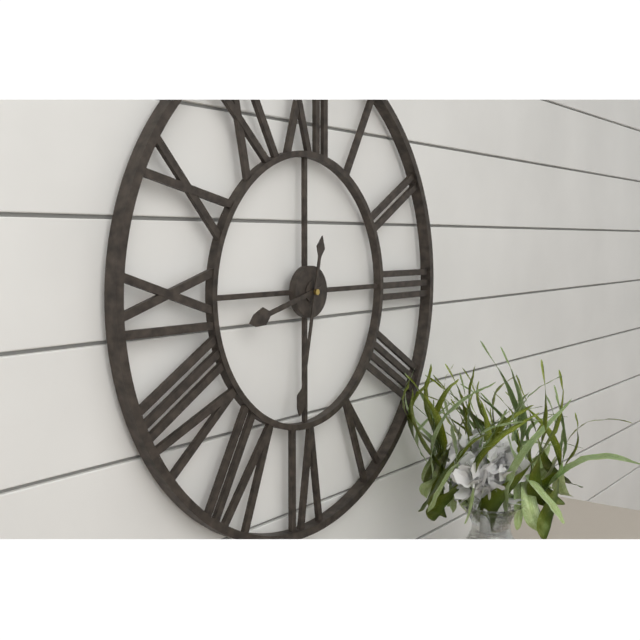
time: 8:32
